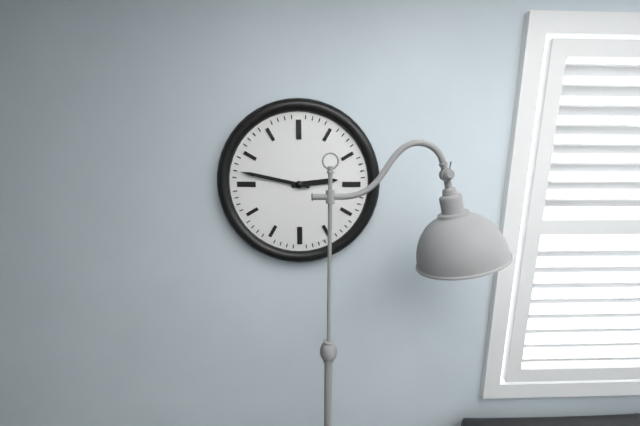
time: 2:47
